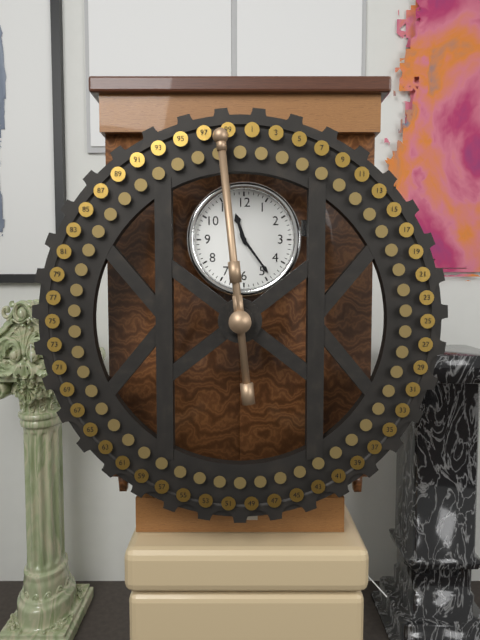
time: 11:24
